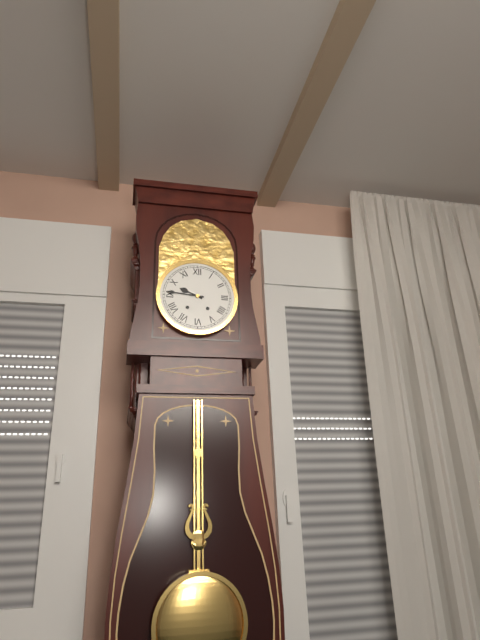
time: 9:46
